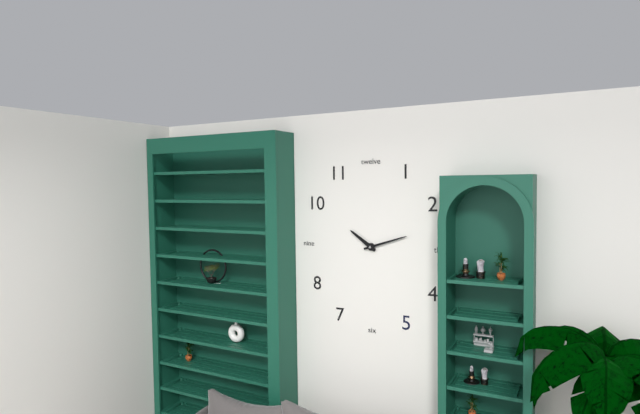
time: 10:12
